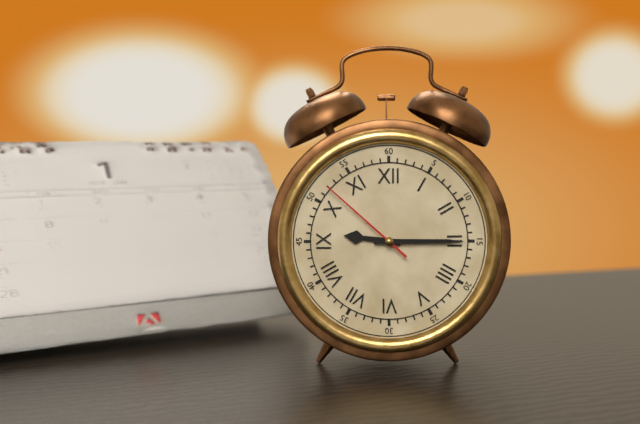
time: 9:15:52
